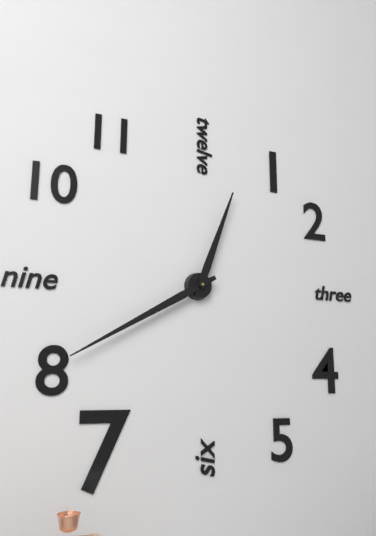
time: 12:40
